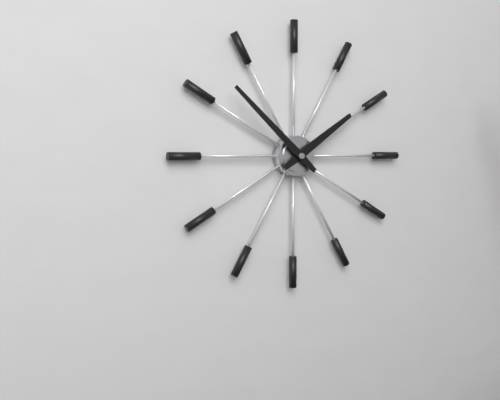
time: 1:52
